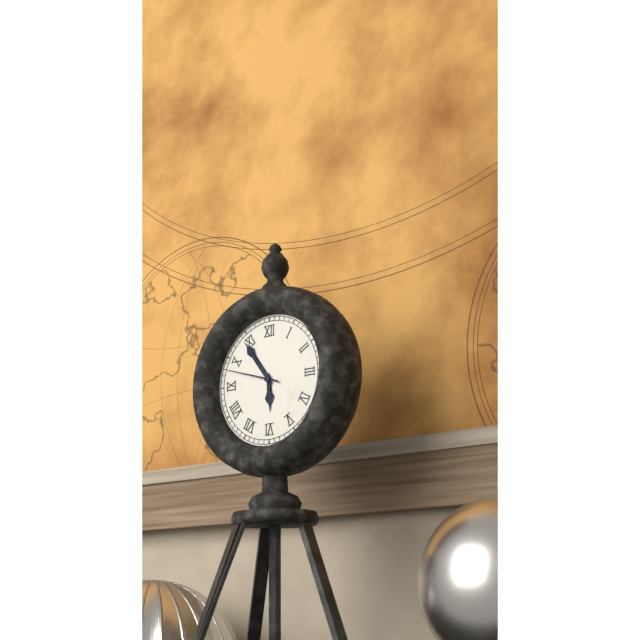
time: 5:54:48
